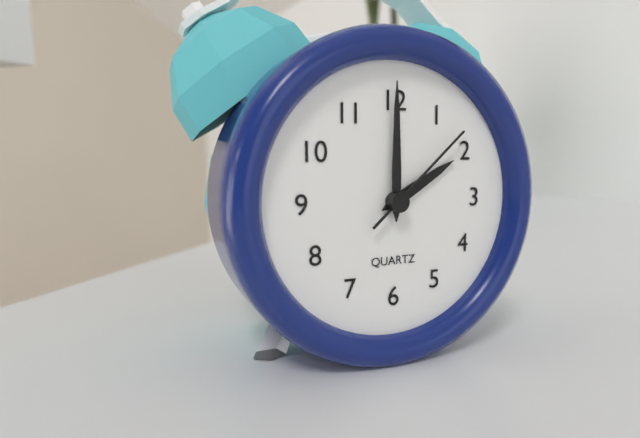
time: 2:00:08
